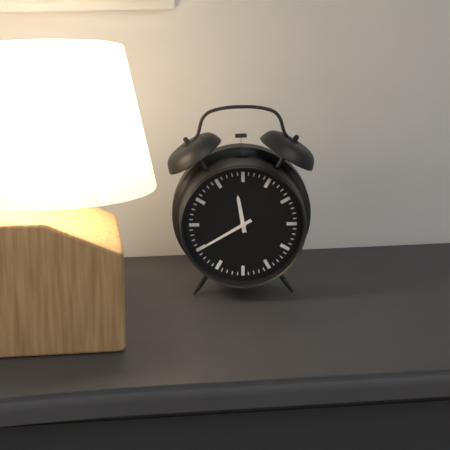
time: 11:40
